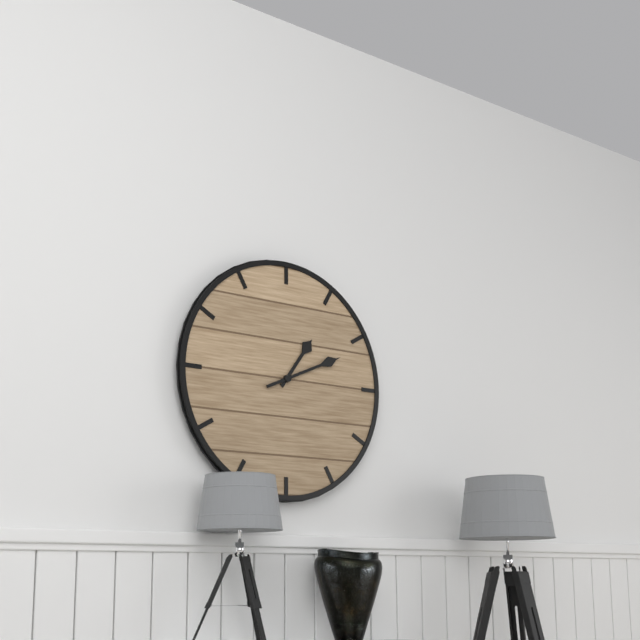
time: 1:11
